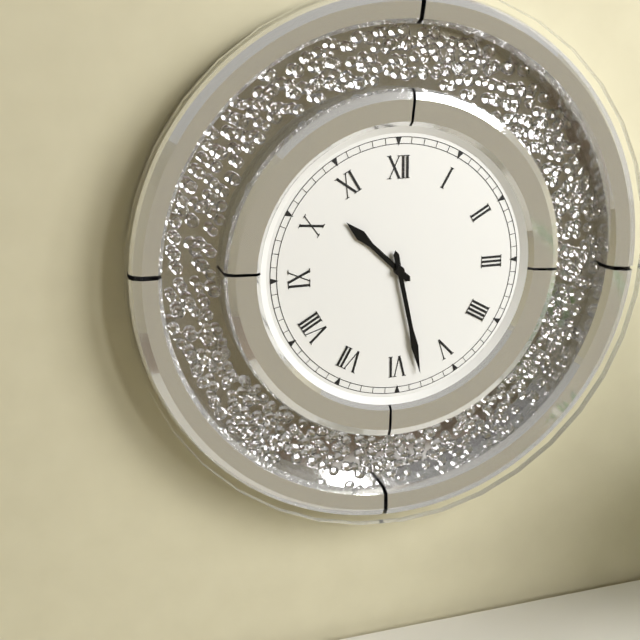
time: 10:28
